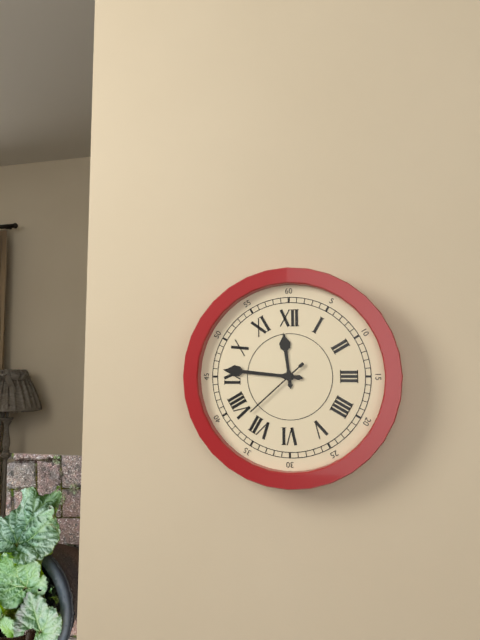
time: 11:46:38
